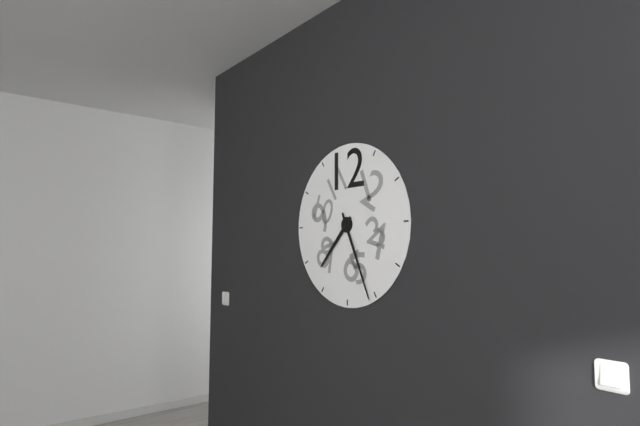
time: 7:26
